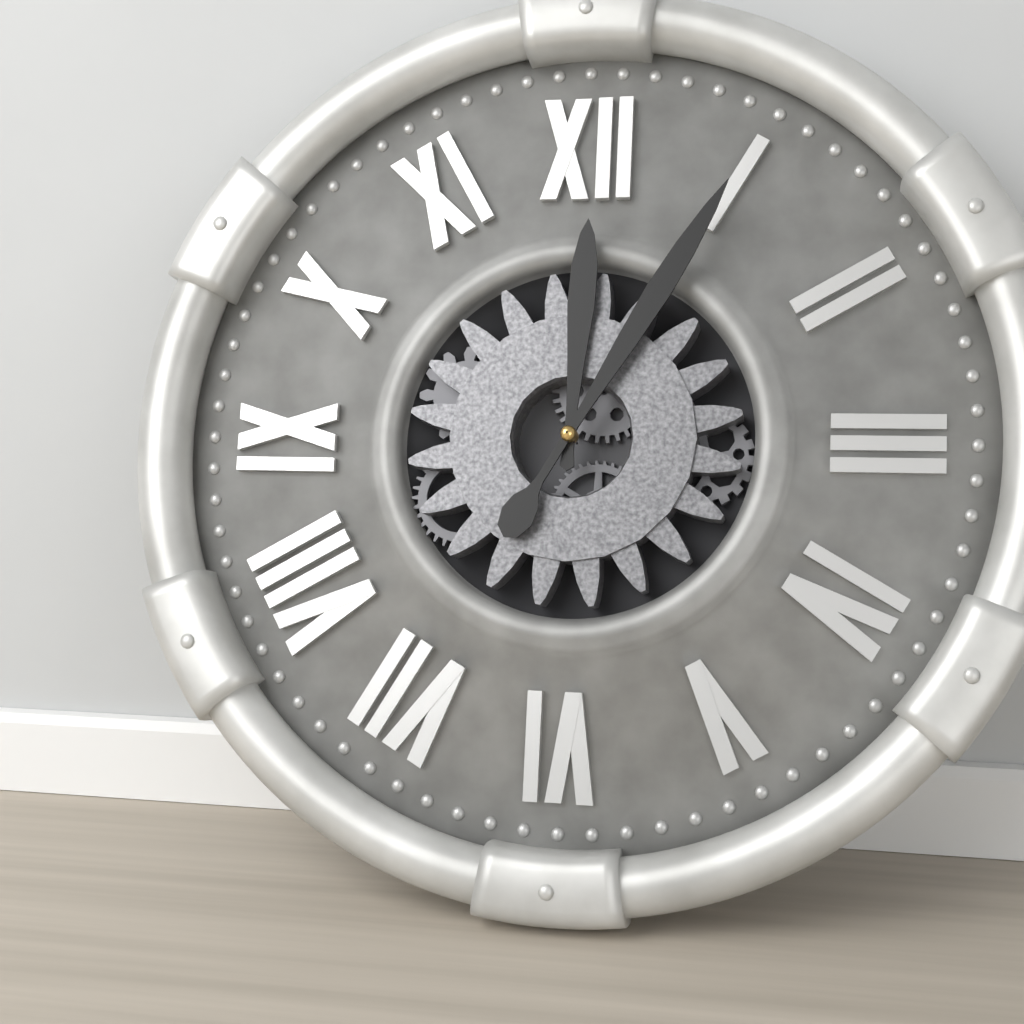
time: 12:05
